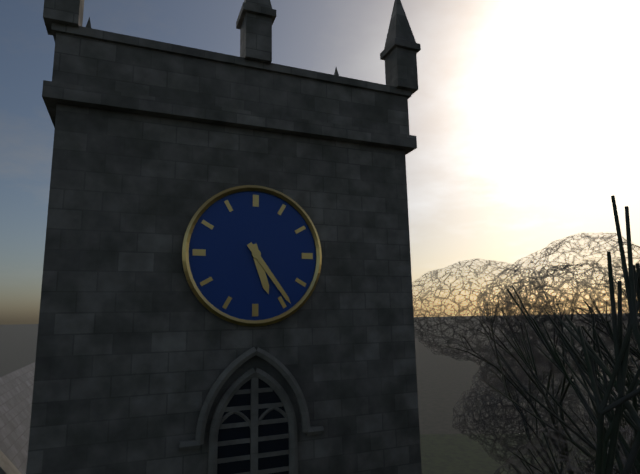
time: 5:24
